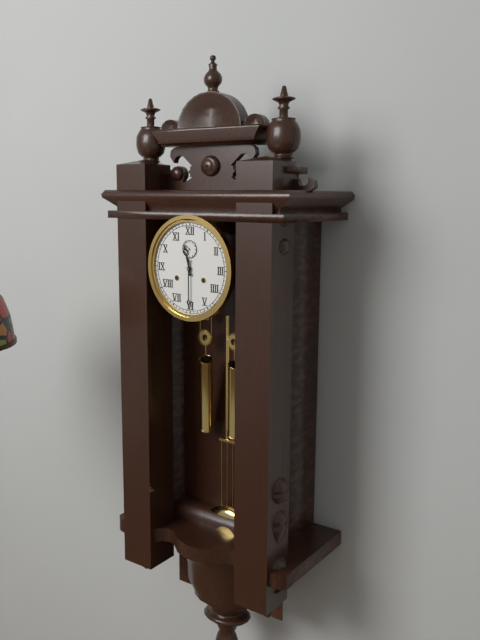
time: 11:30
